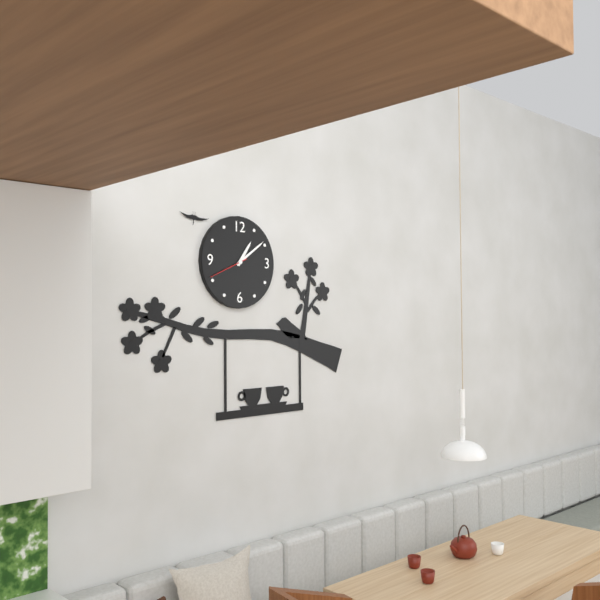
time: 1:09
